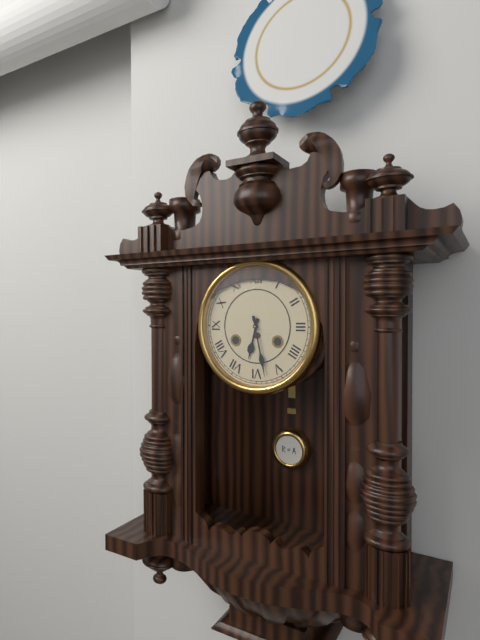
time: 6:28
